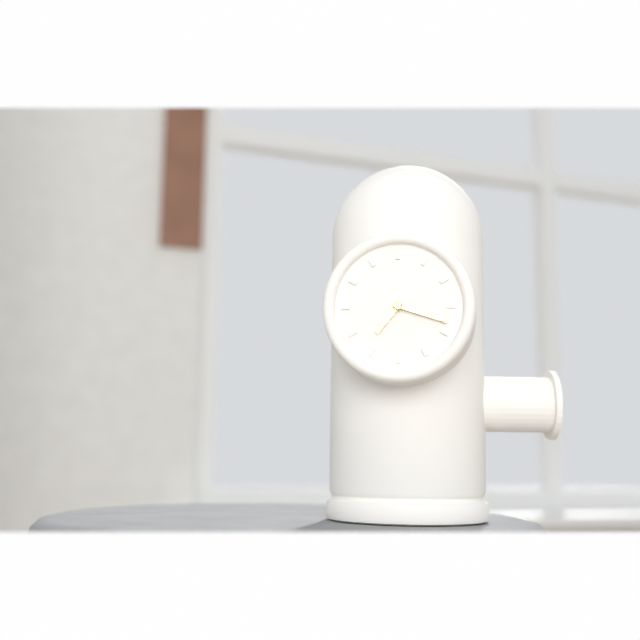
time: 7:18
